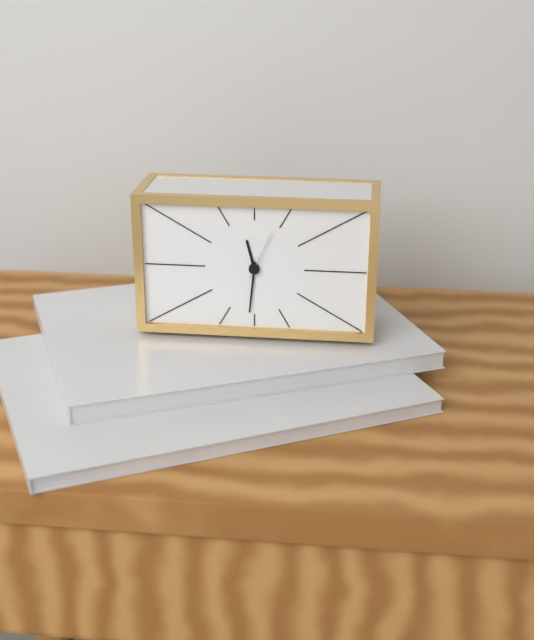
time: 11:31
